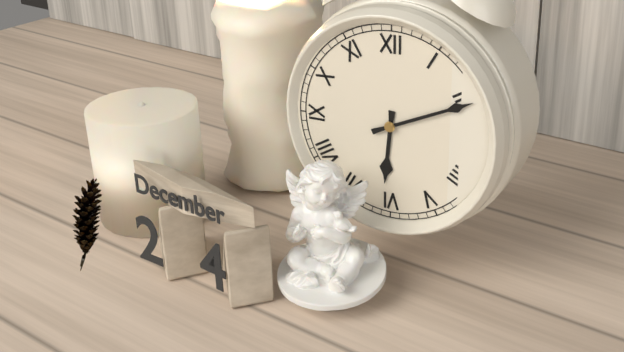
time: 6:11
